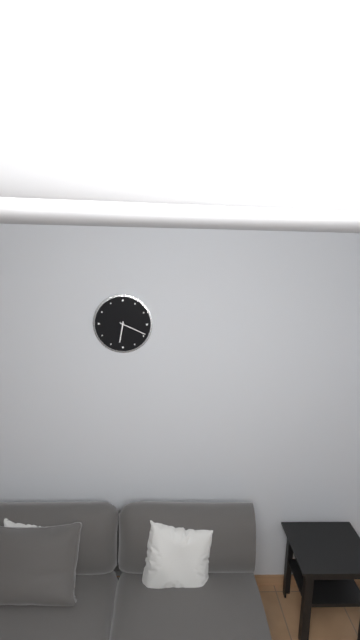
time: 6:19
